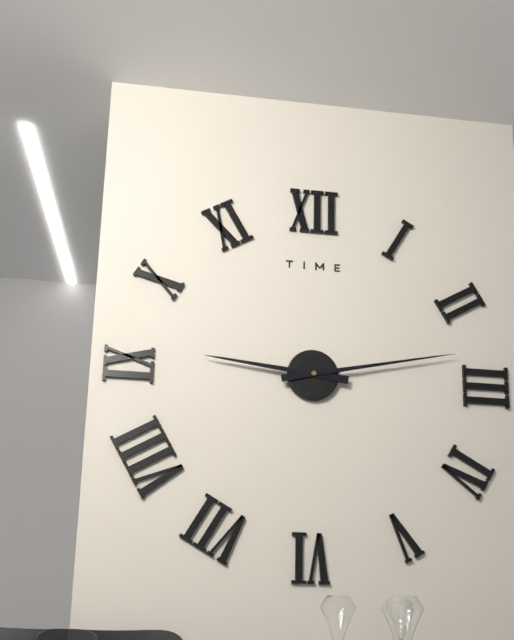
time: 9:13
